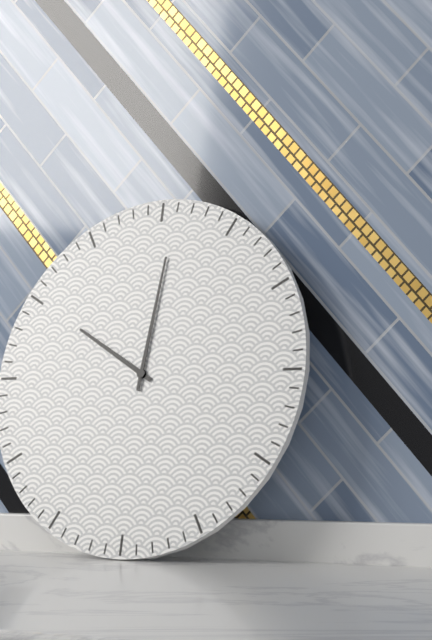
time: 10:01
